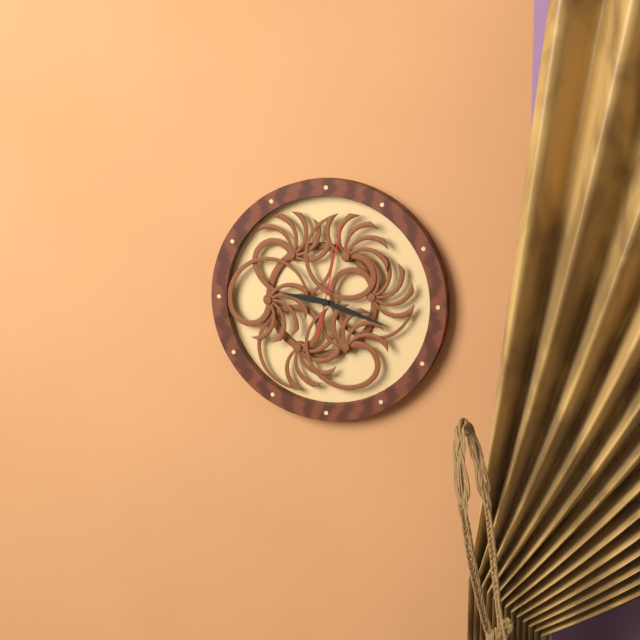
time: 9:18:02
